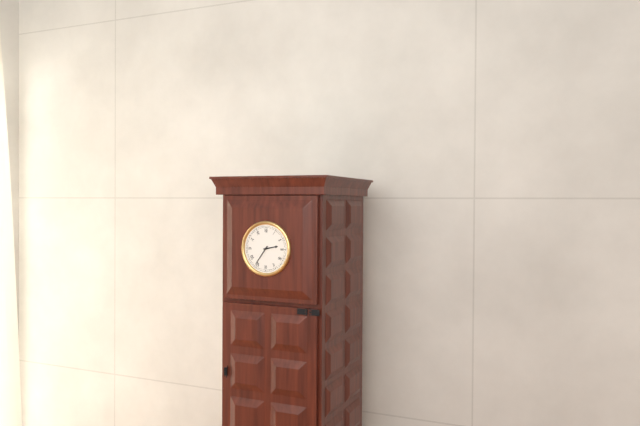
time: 2:36
